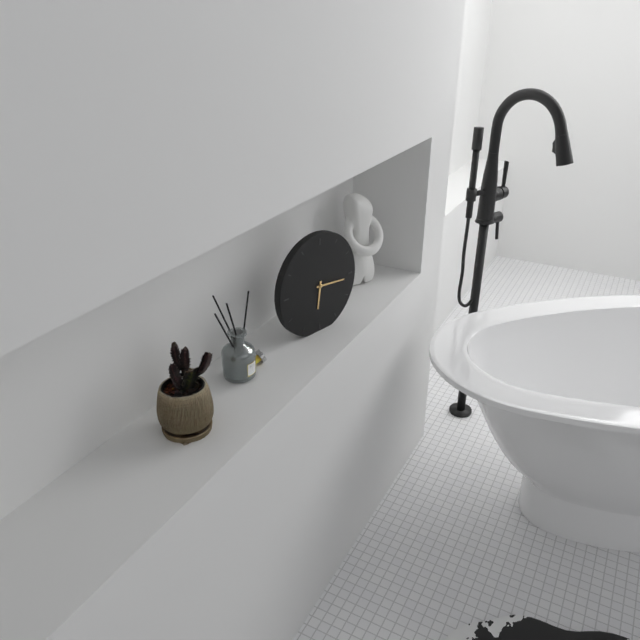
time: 6:16
